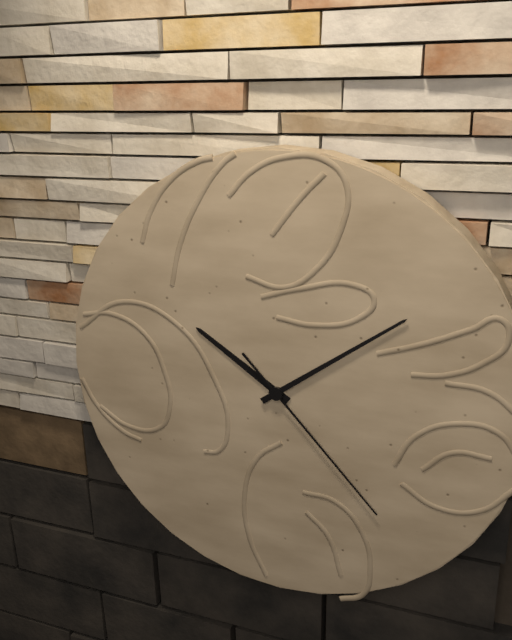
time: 10:09:23
